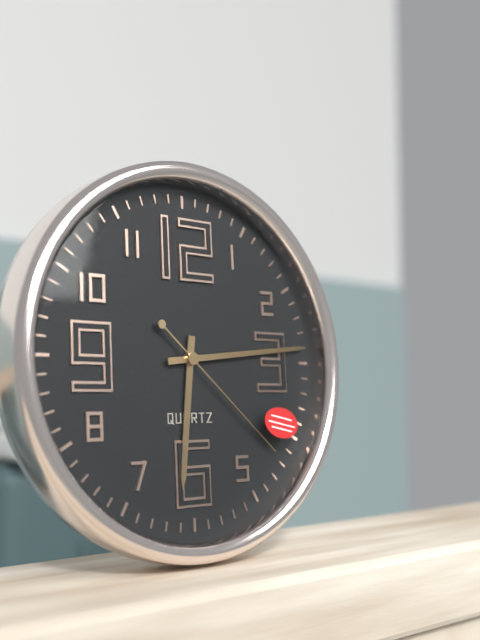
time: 6:14:22
